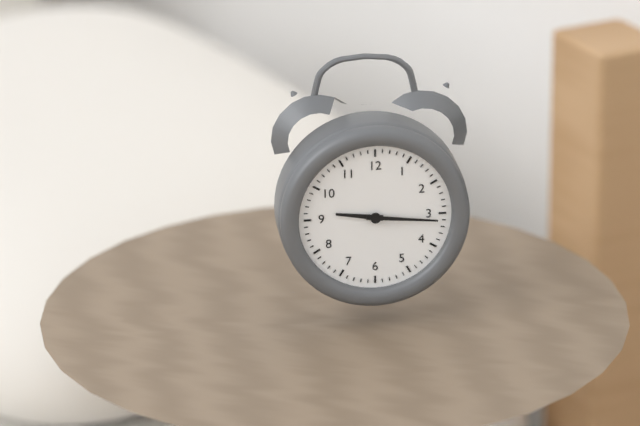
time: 9:16
